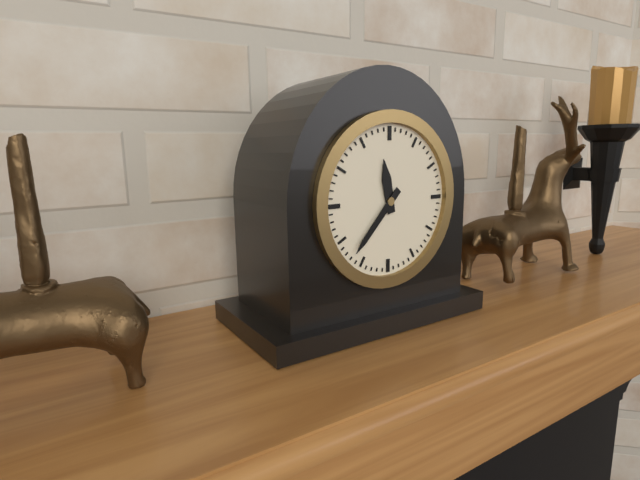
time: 11:37
